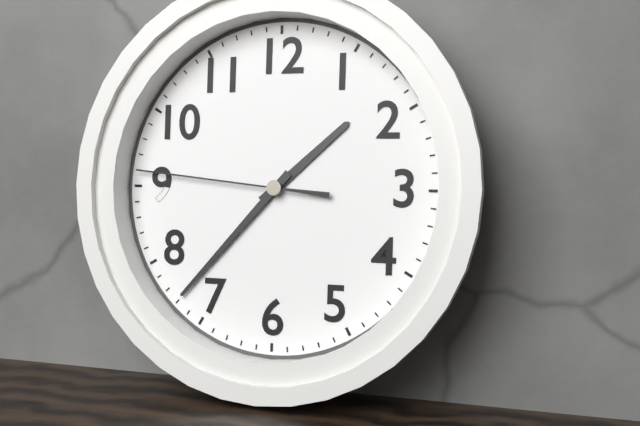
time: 1:37:46
